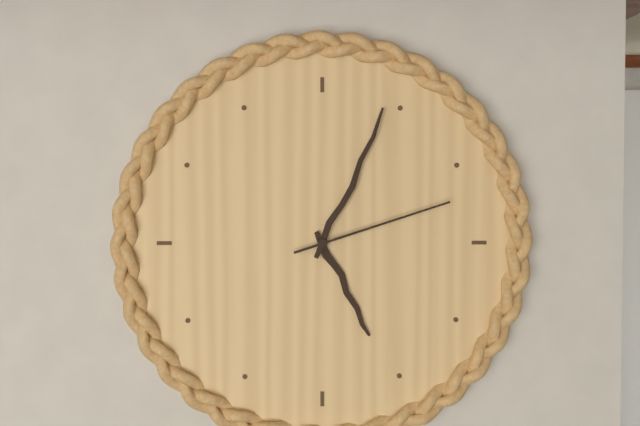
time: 5:04:12
